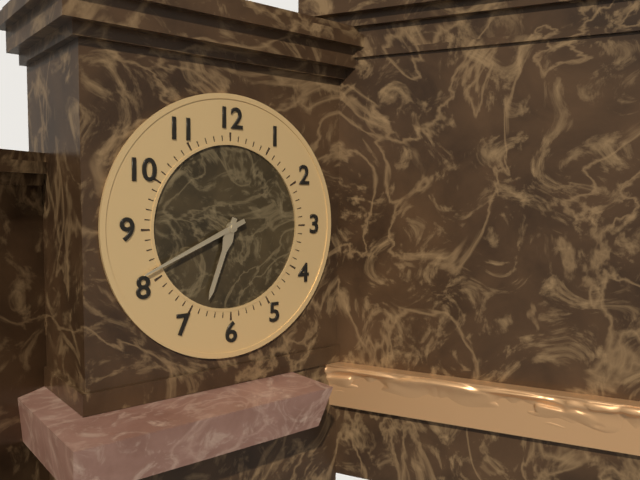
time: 6:41
